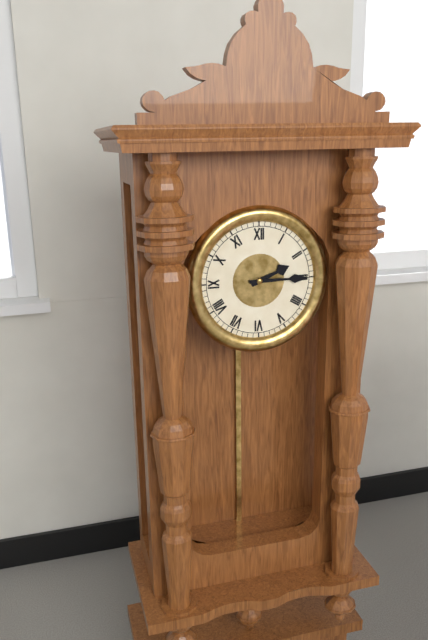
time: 2:15
